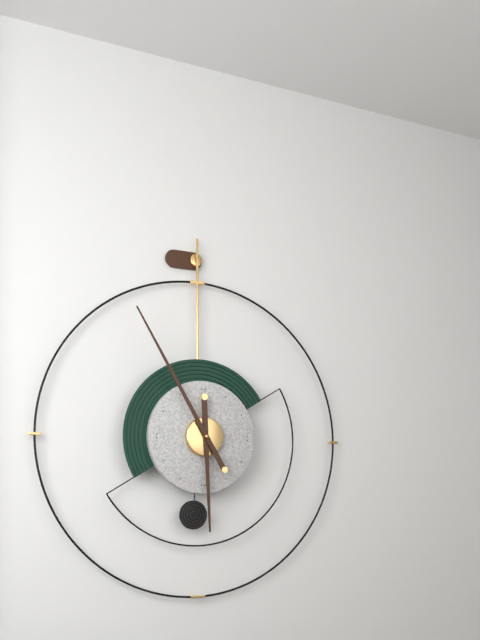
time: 5:55
